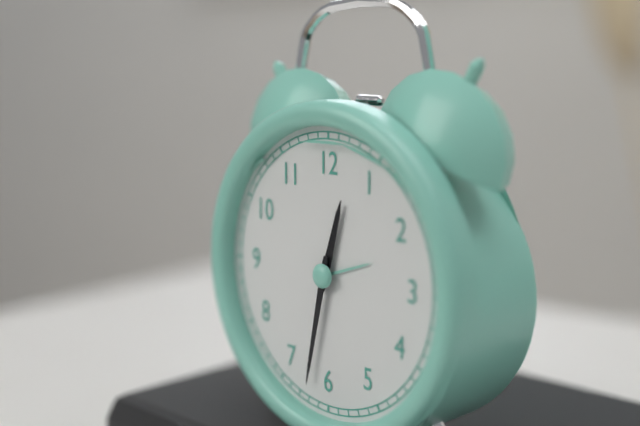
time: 12:32
